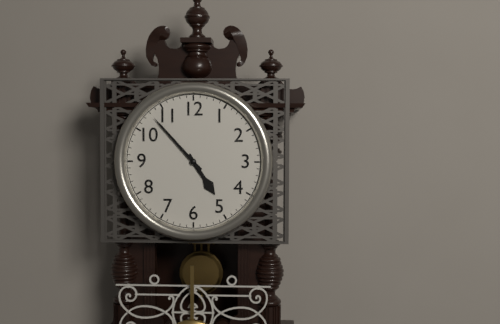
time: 4:53
